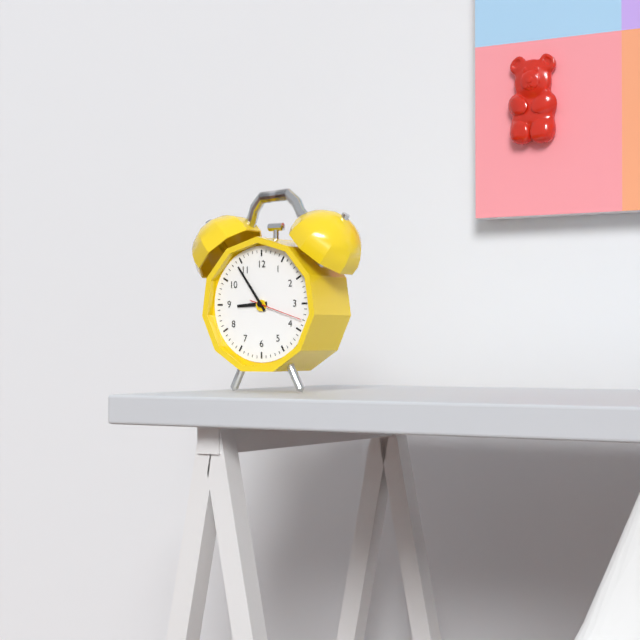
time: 8:54:18
